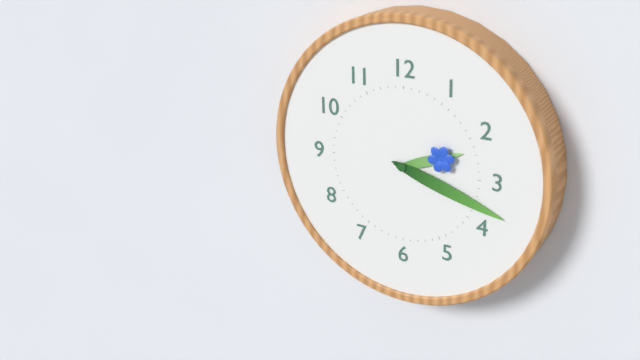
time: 2:18
